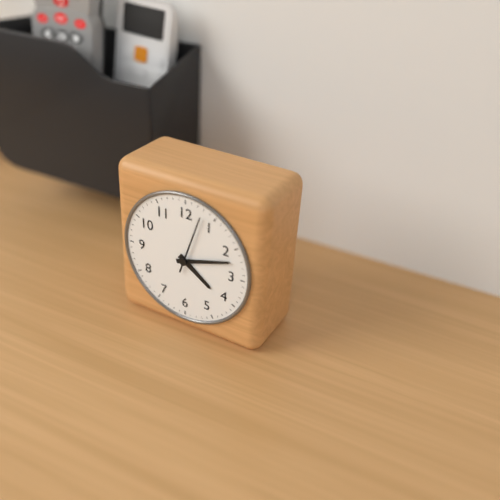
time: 4:12:03
